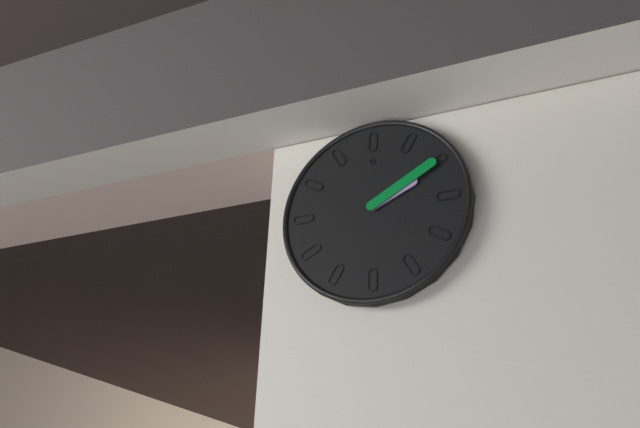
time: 2:10
